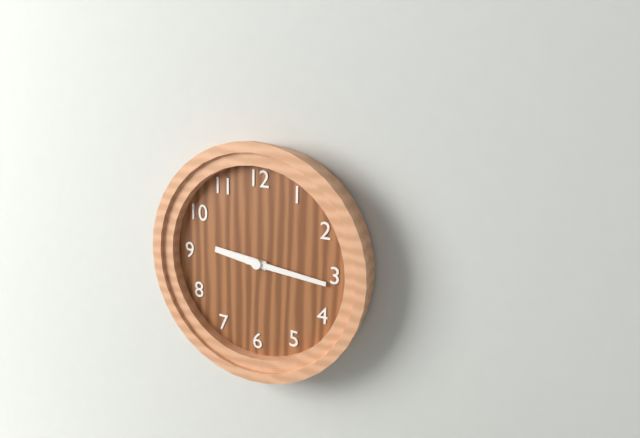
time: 9:16
